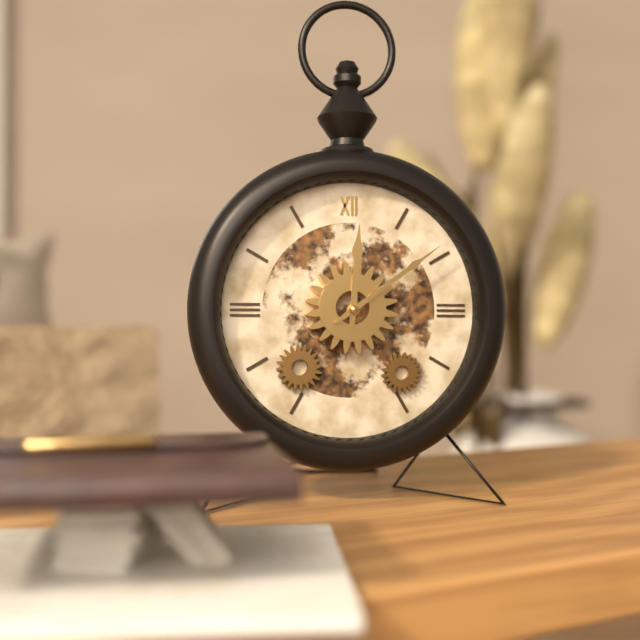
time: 12:09
